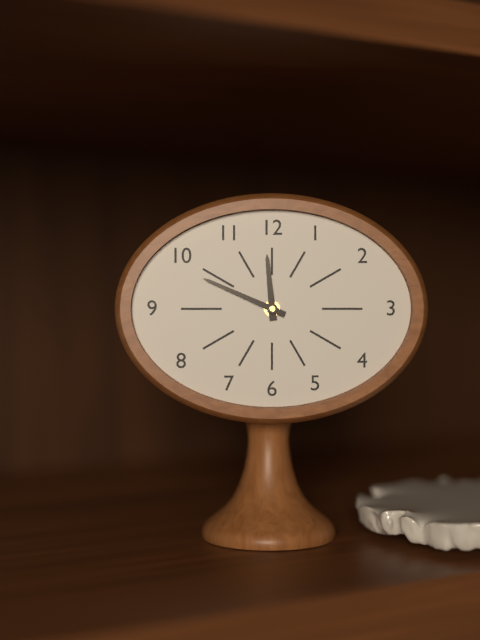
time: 11:49
